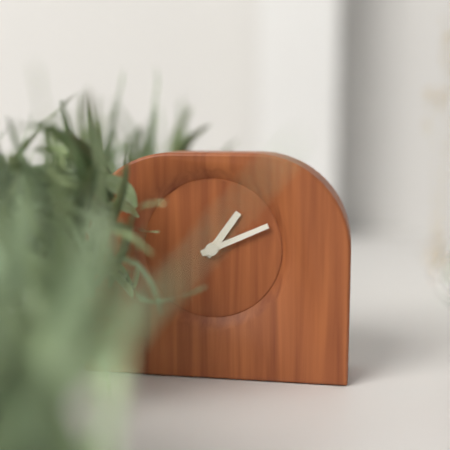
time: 1:11
